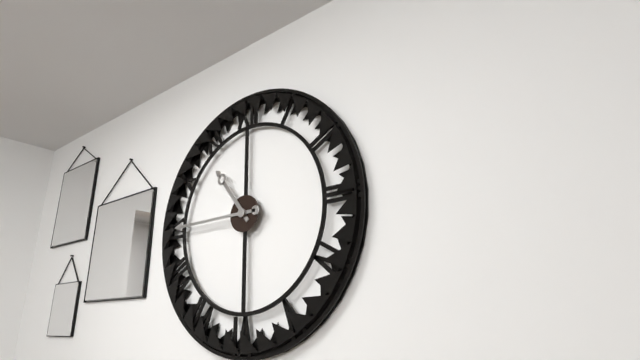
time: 10:45
